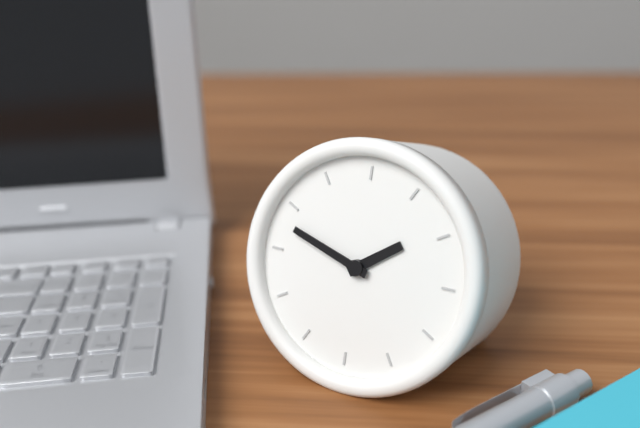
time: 1:48
